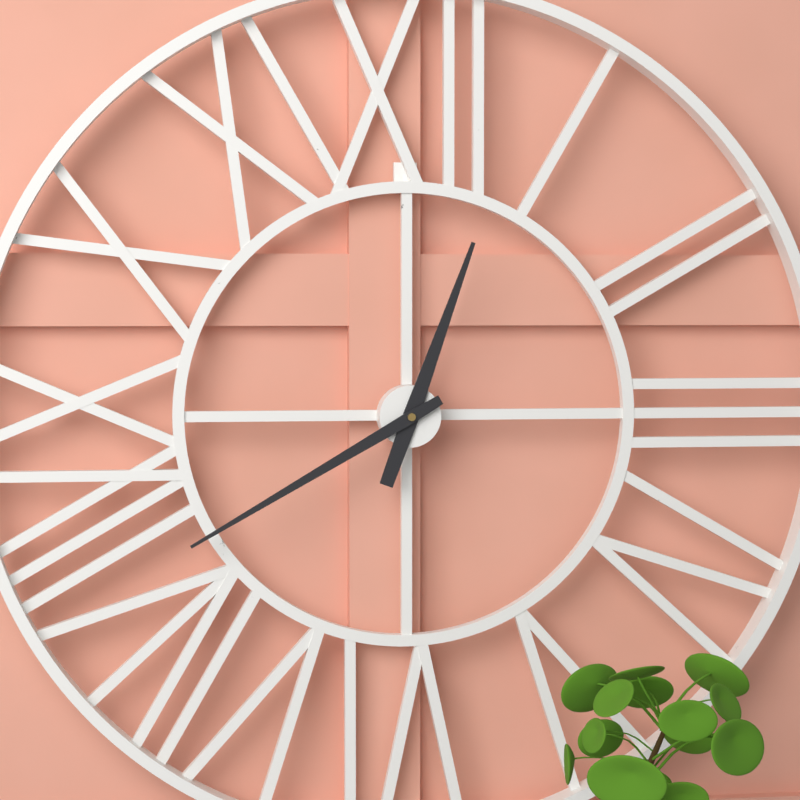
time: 12:40
